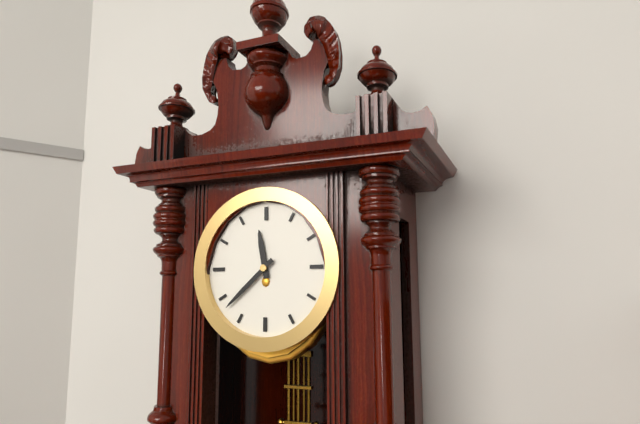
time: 11:38
